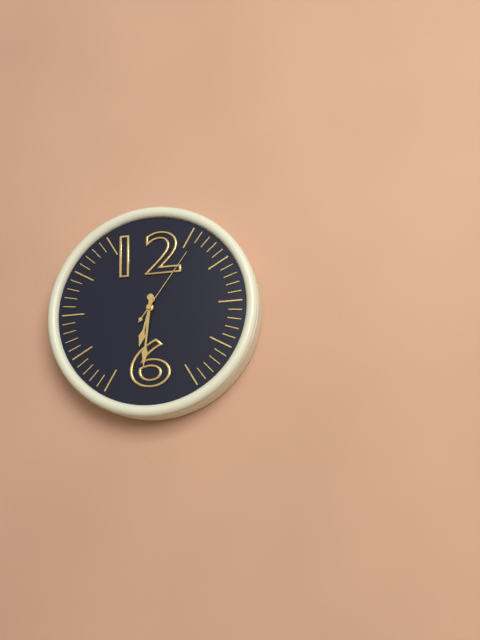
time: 6:31:06
